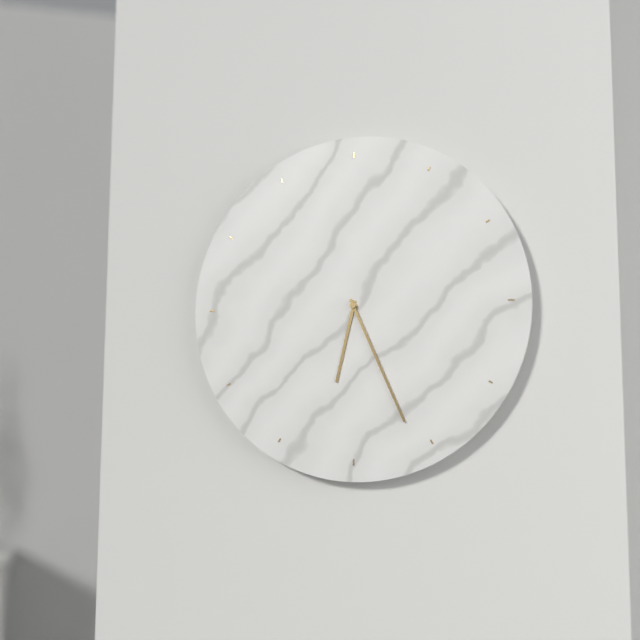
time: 6:26
